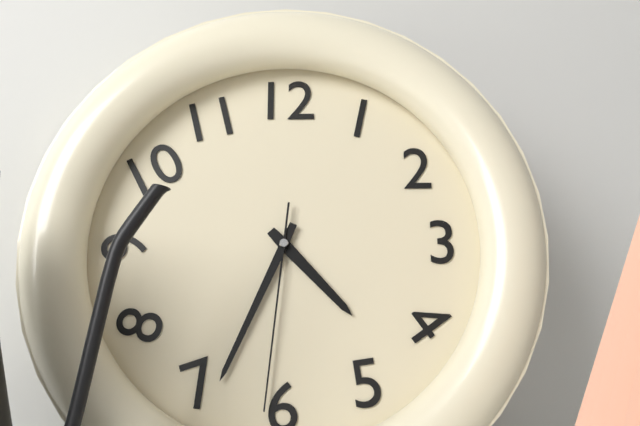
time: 4:34:31
